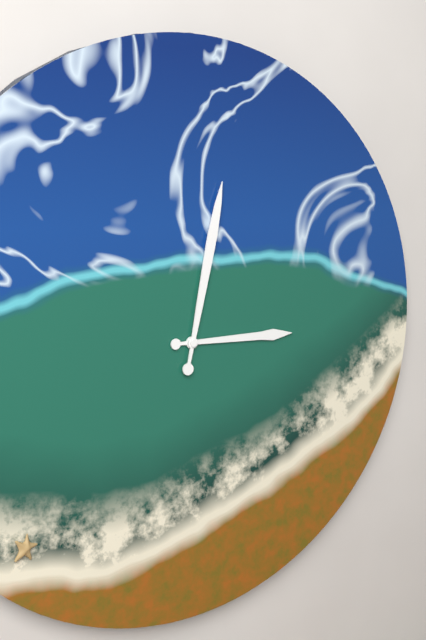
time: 3:02
